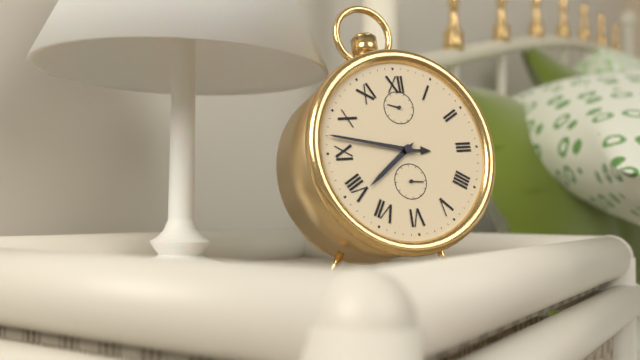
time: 7:47
